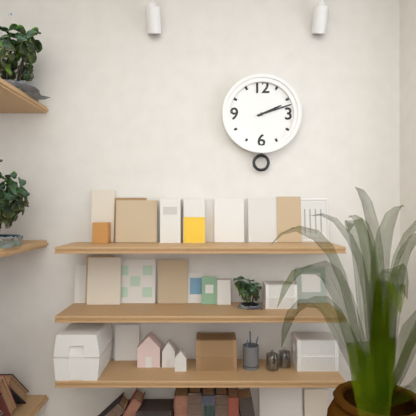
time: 2:12
